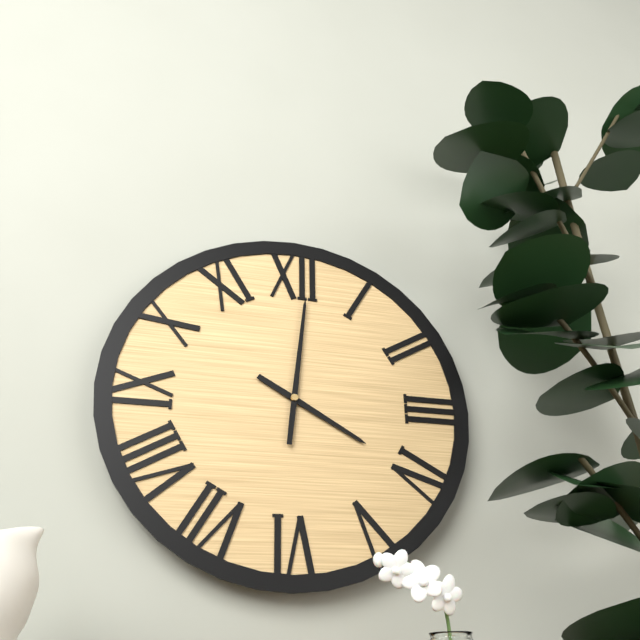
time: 4:01
